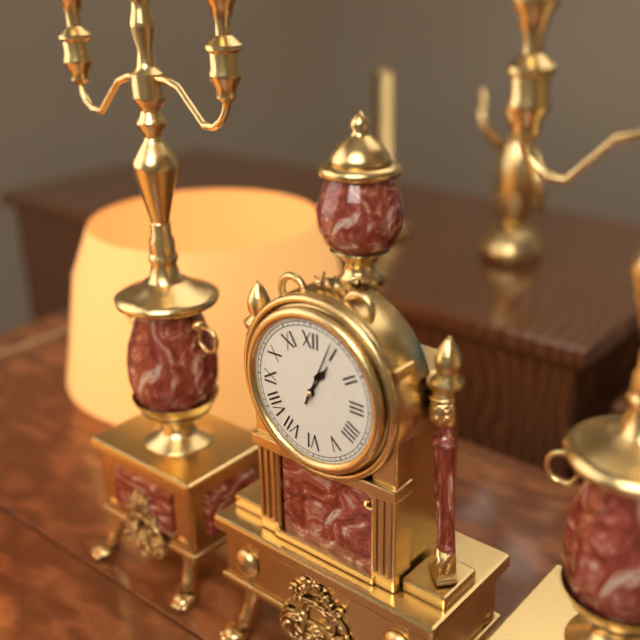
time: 1:04
